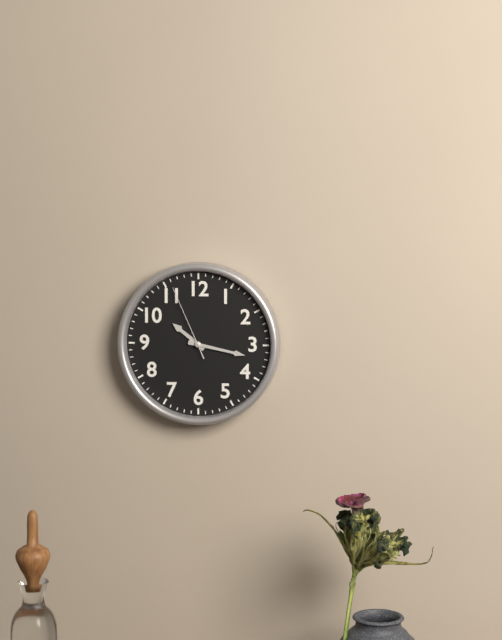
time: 10:17:56
